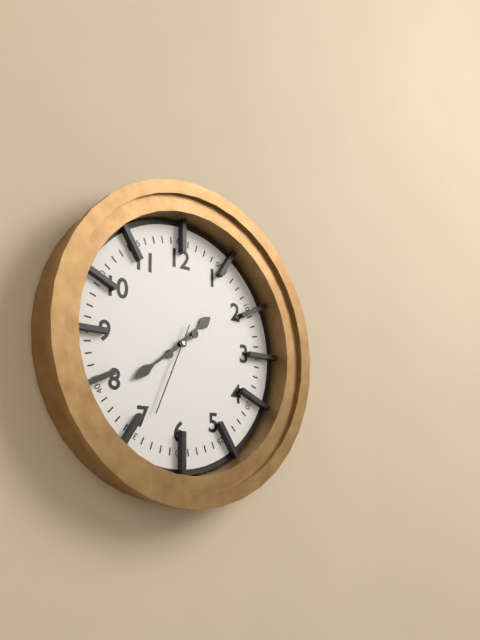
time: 1:39:34
